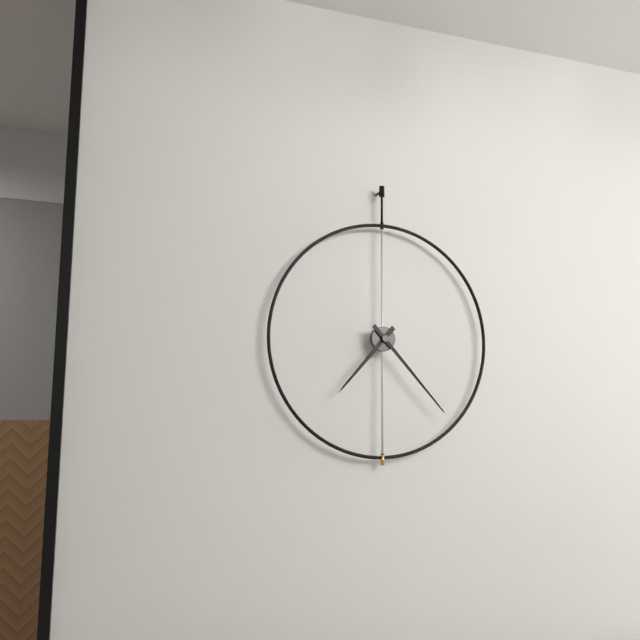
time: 7:23
